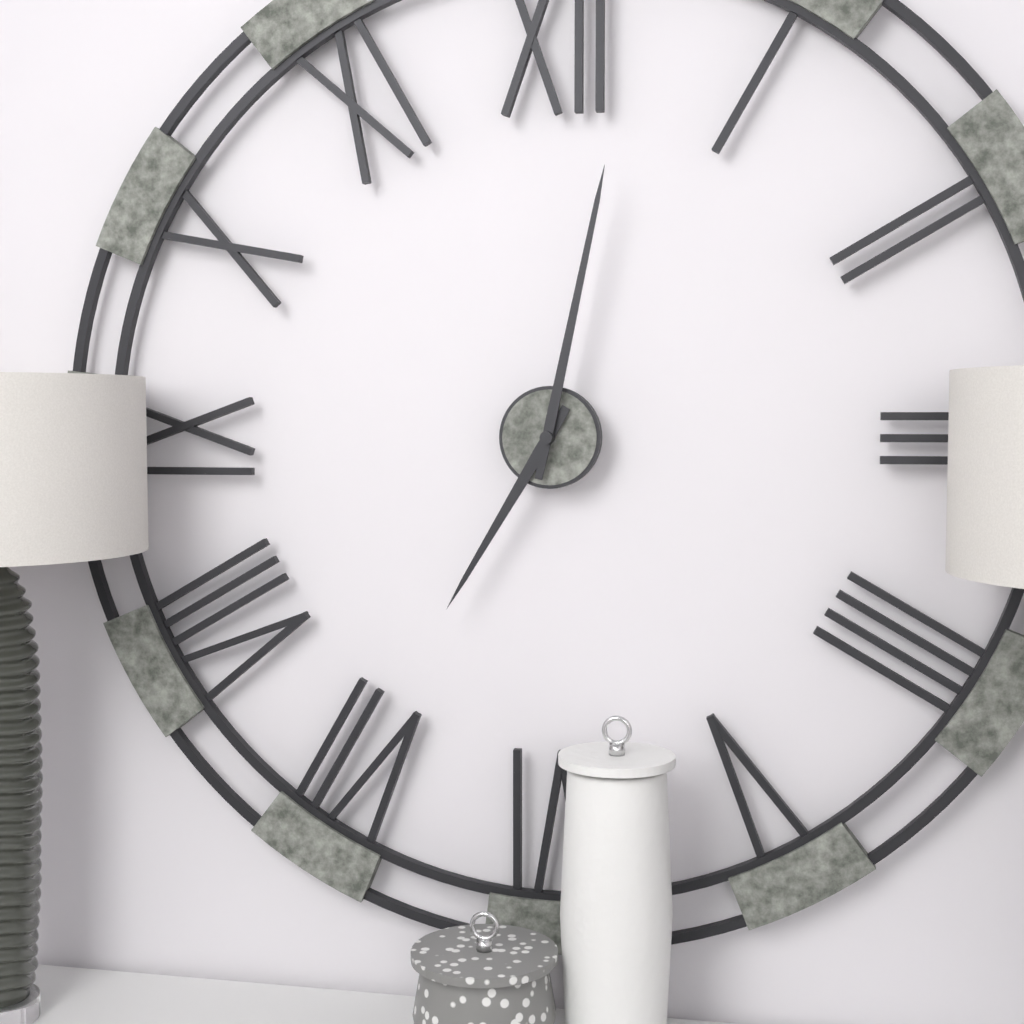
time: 7:02
